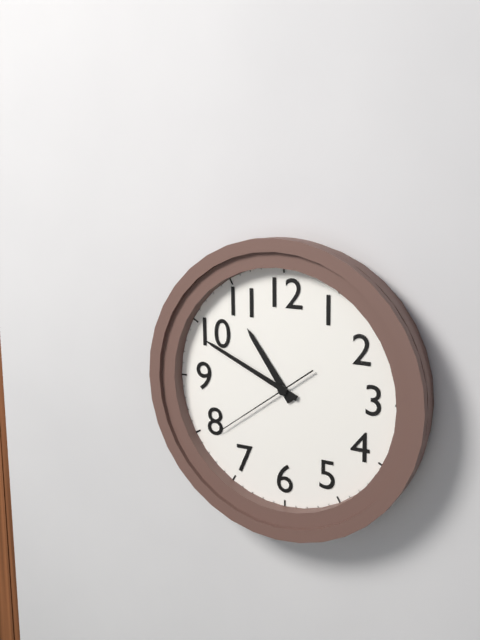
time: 10:49:39
